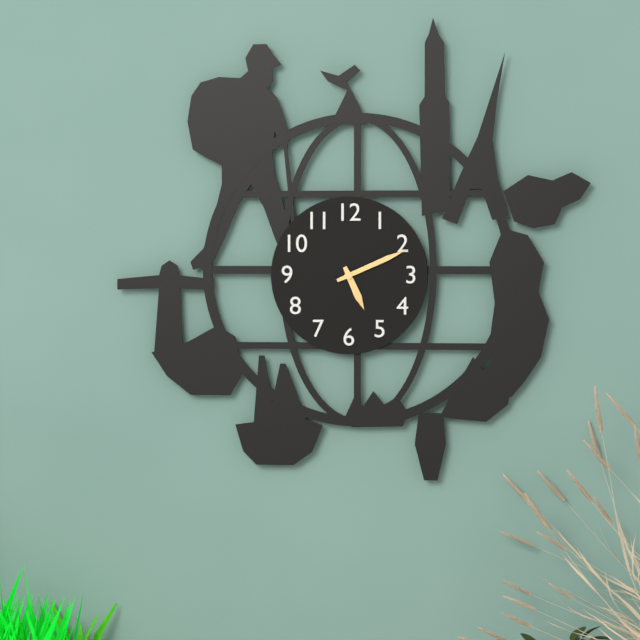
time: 5:11
